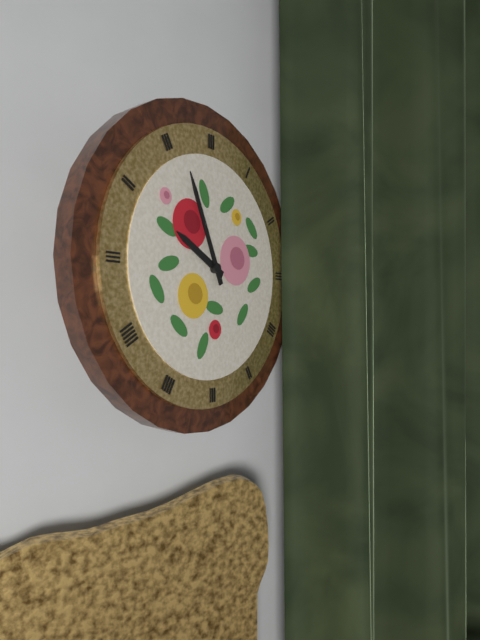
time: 9:56
